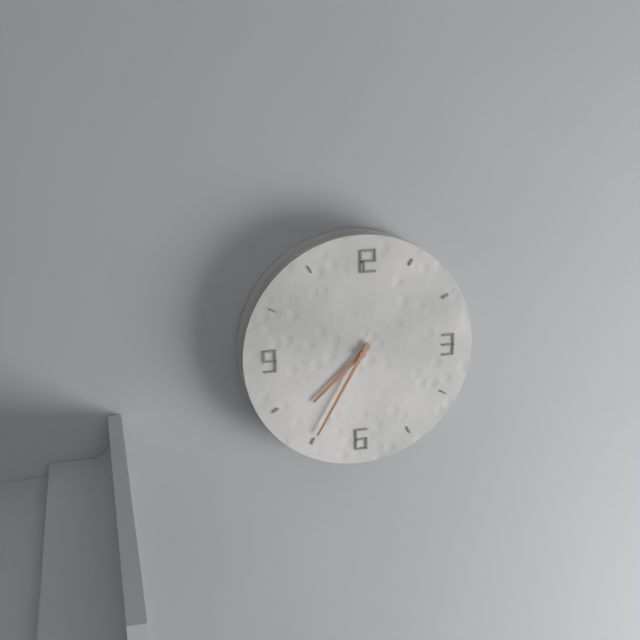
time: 7:35
